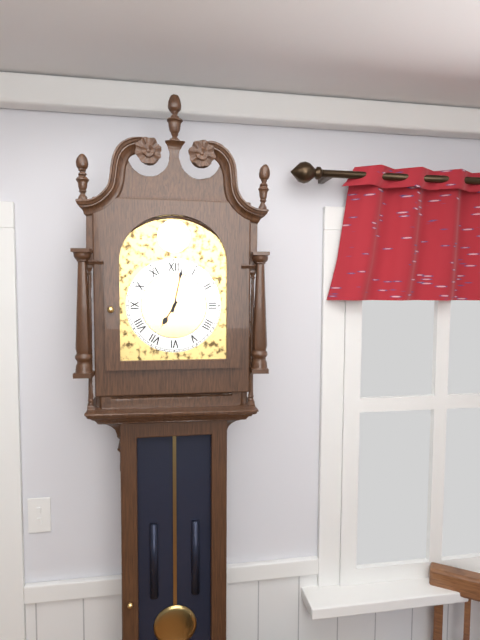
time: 7:02
